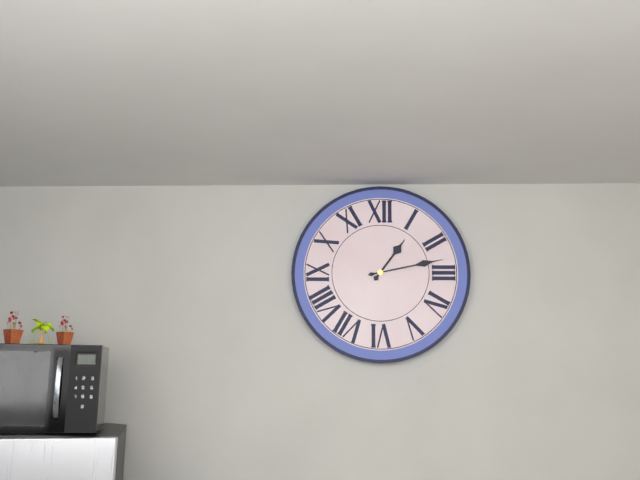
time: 1:13
